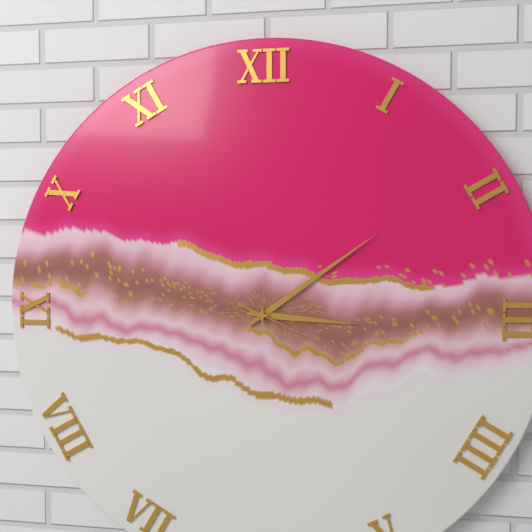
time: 3:09:19
